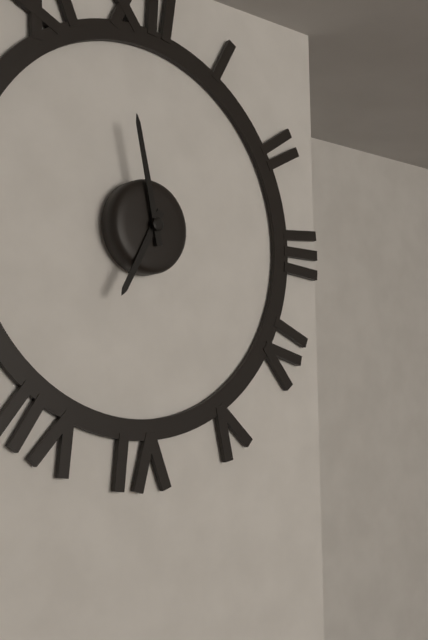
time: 6:58
